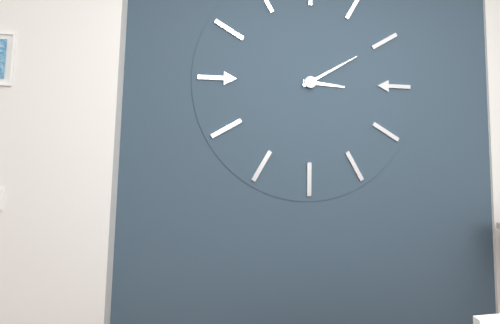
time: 3:10
